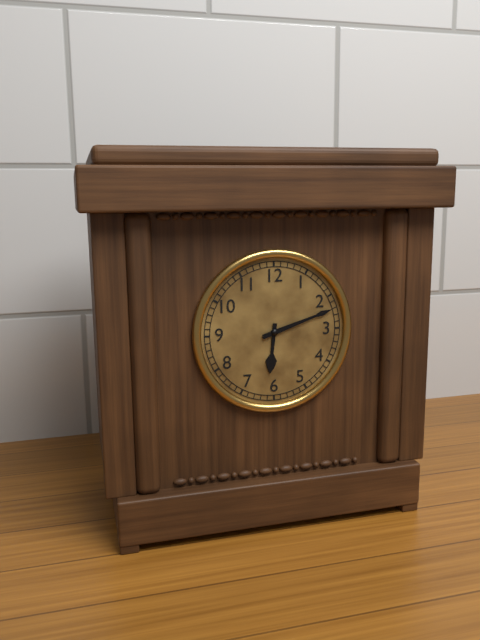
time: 6:12
